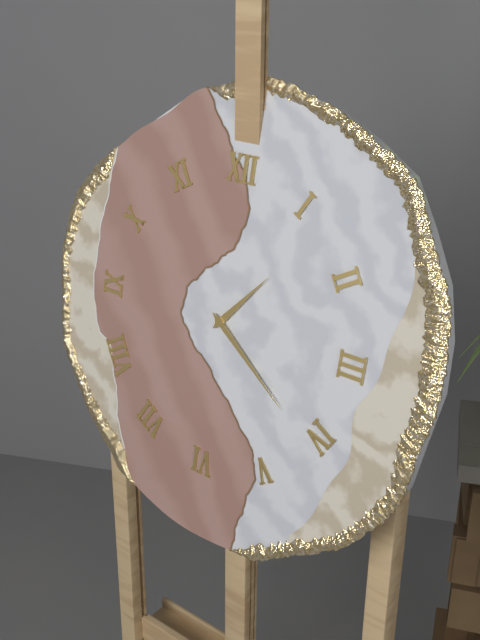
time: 1:21
